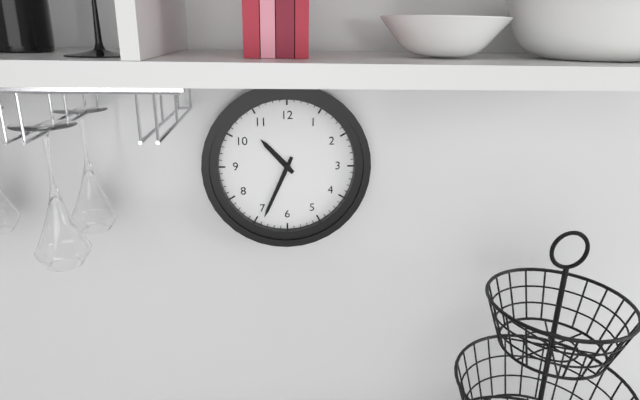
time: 10:34
